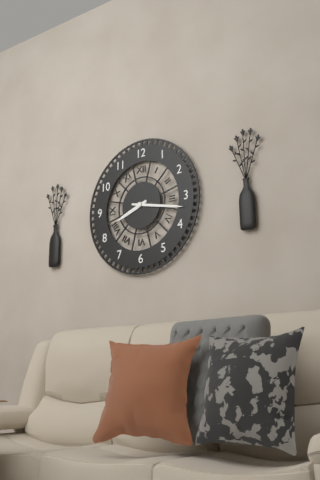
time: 8:17
